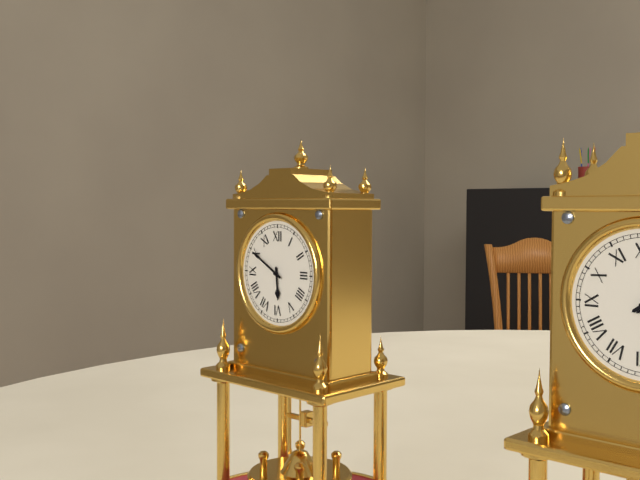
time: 5:50
